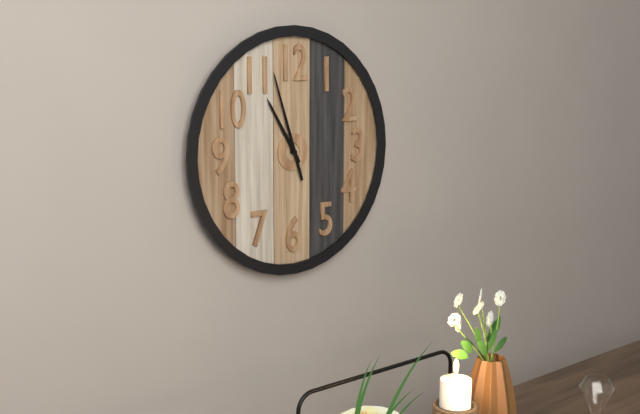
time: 10:57
